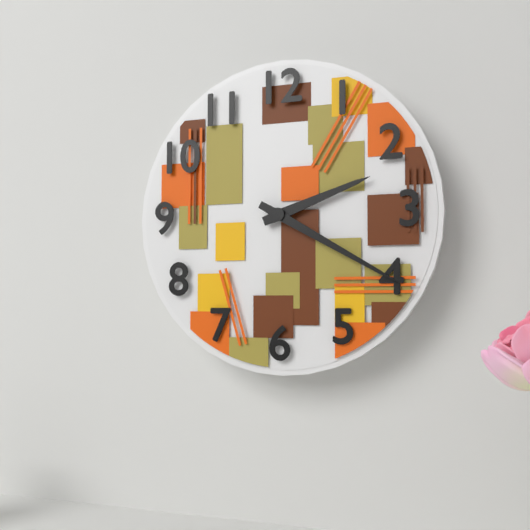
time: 2:20
